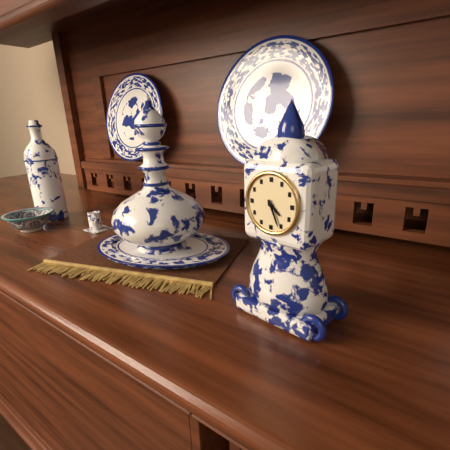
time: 4:26
